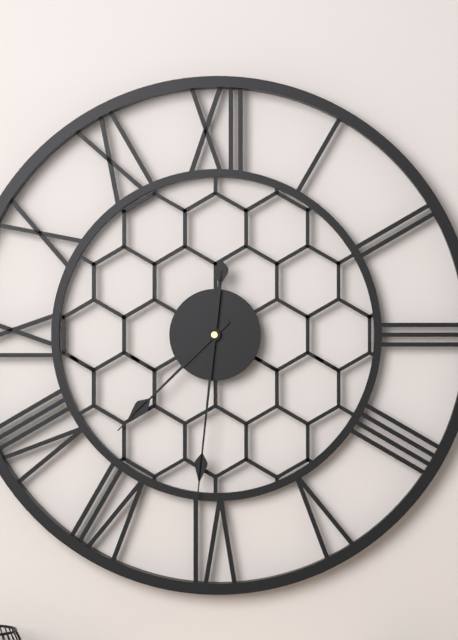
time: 7:31
